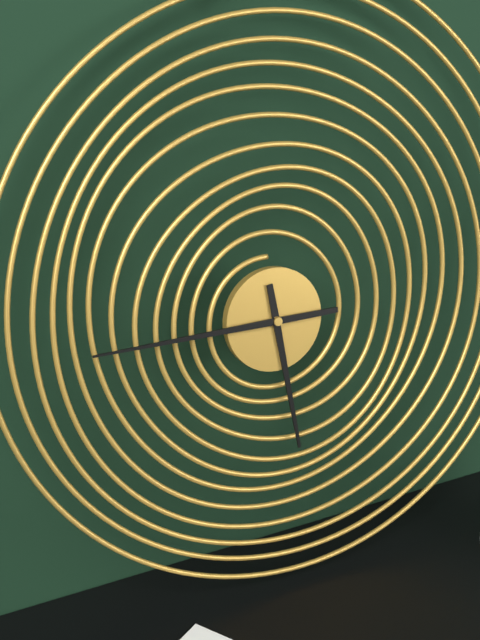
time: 5:45
